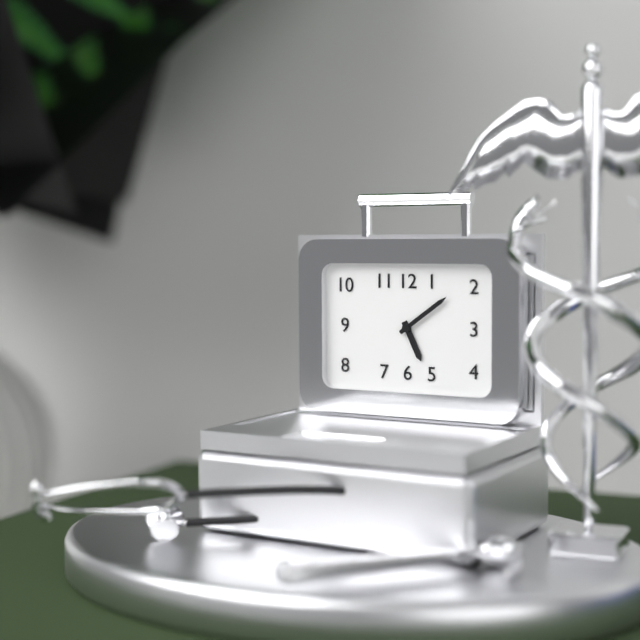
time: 5:09
